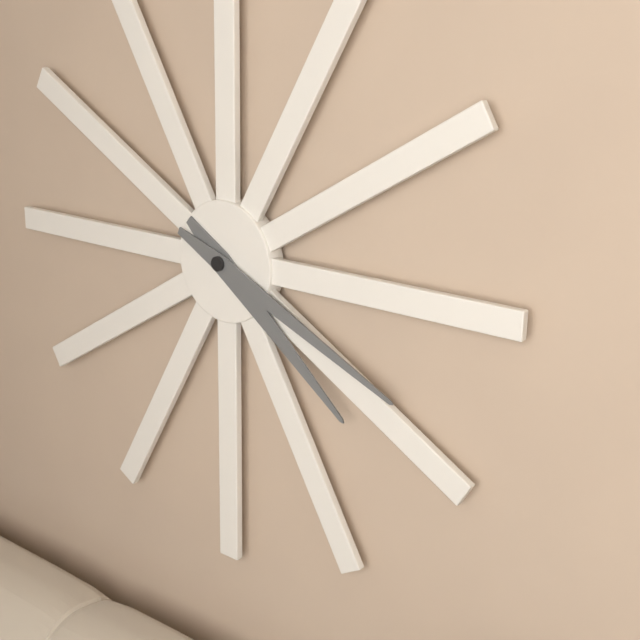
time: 4:19
